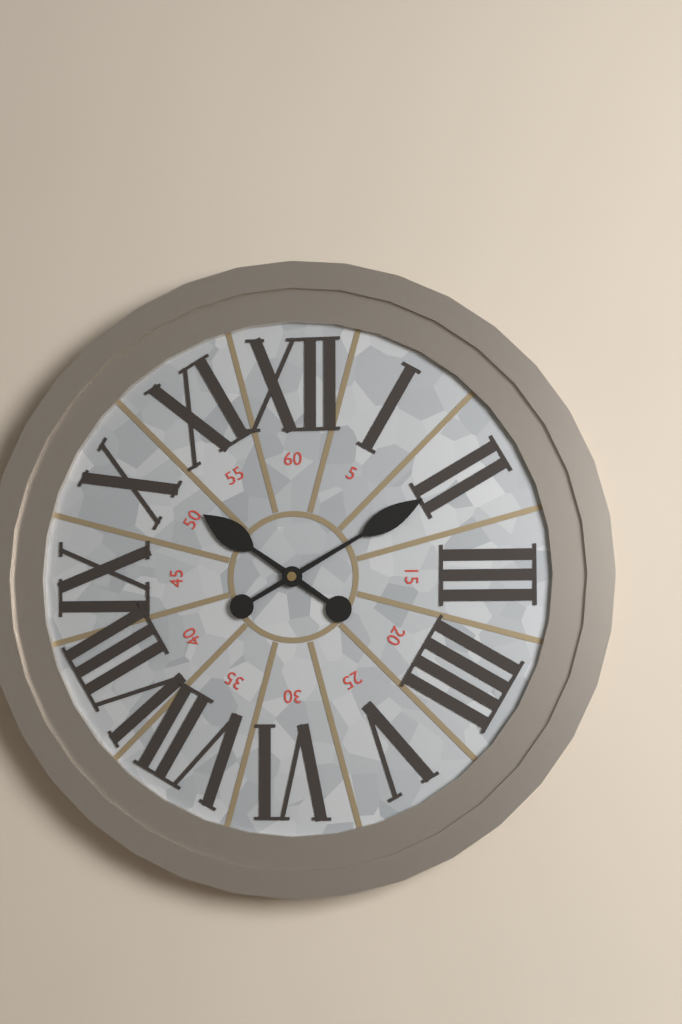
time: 10:10
